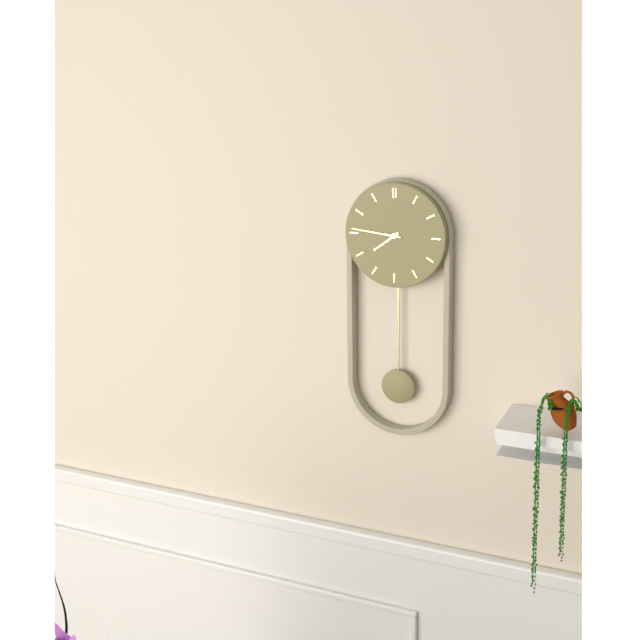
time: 7:46
